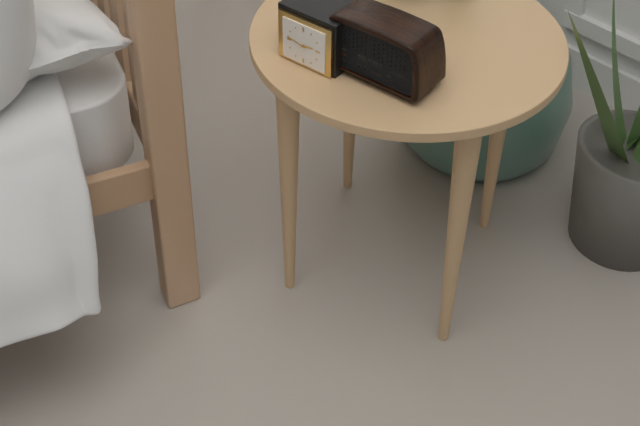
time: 2:47
